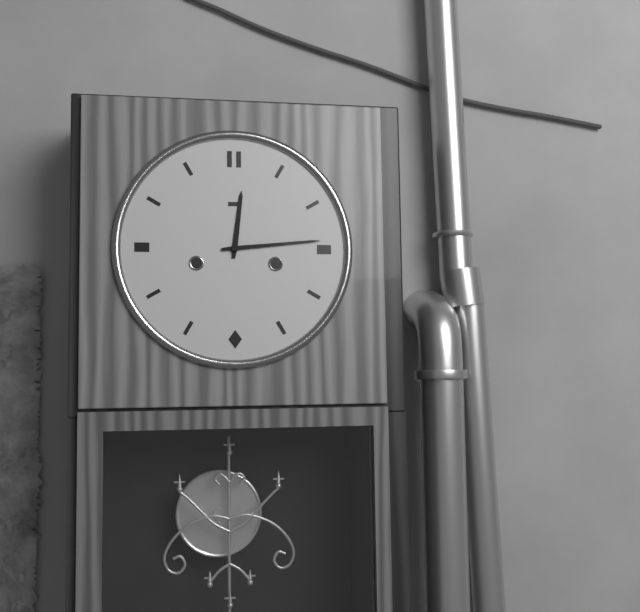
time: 12:14
